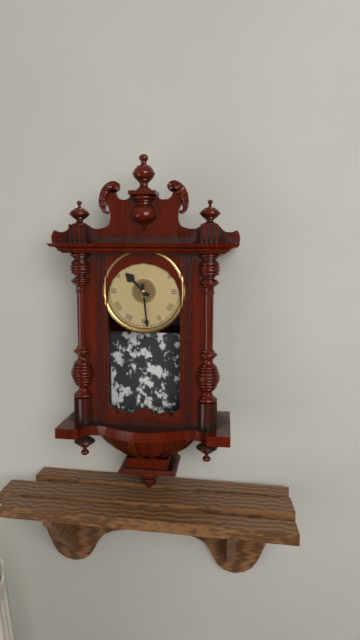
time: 10:29
